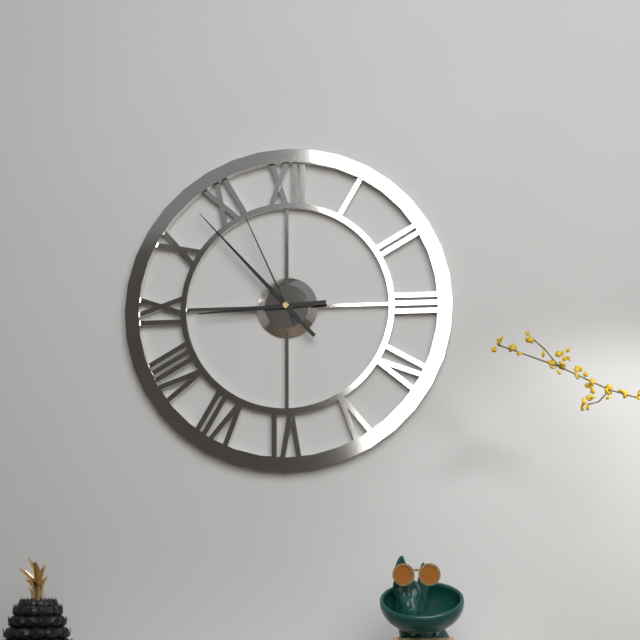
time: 8:53:56
